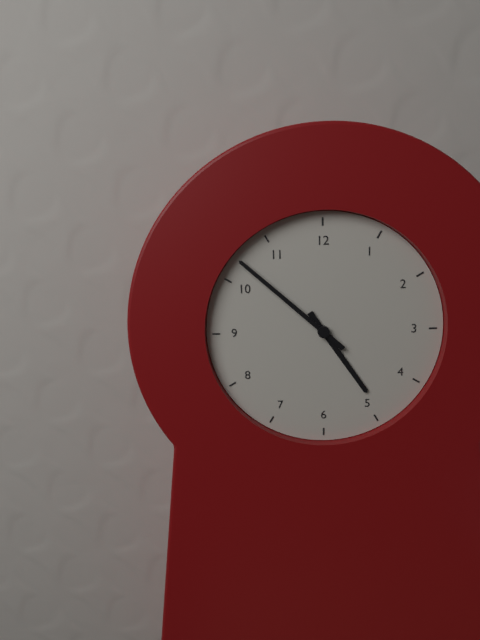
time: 4:52
